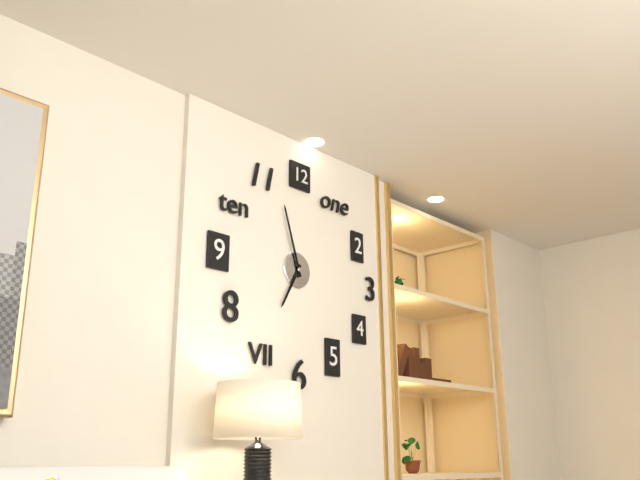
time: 6:57
